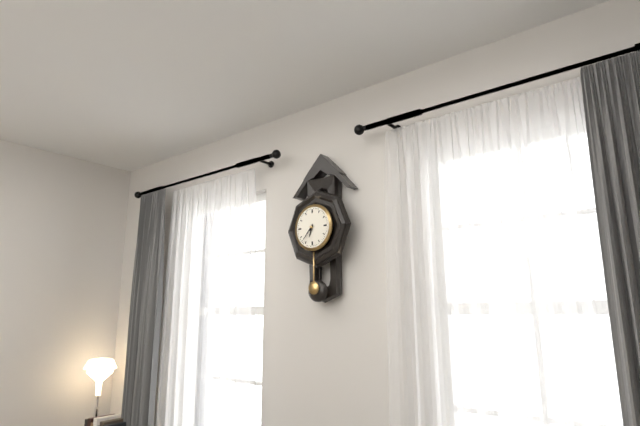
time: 6:37
